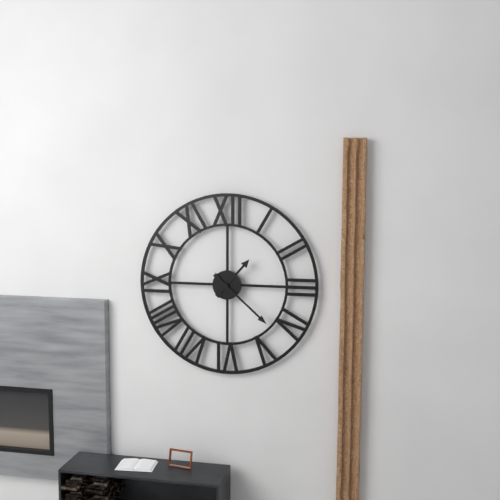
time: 1:22
